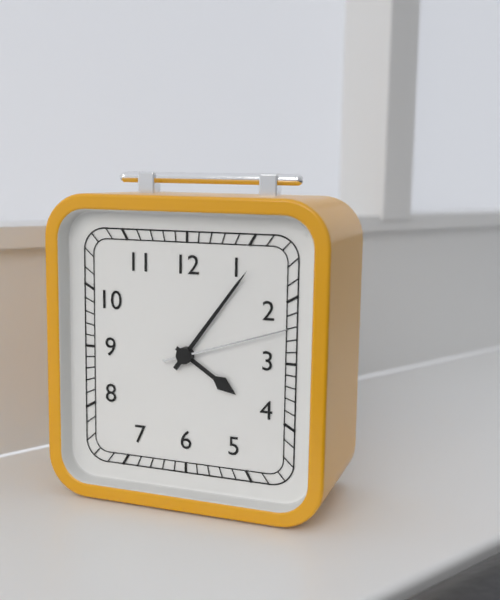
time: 4:06:12
